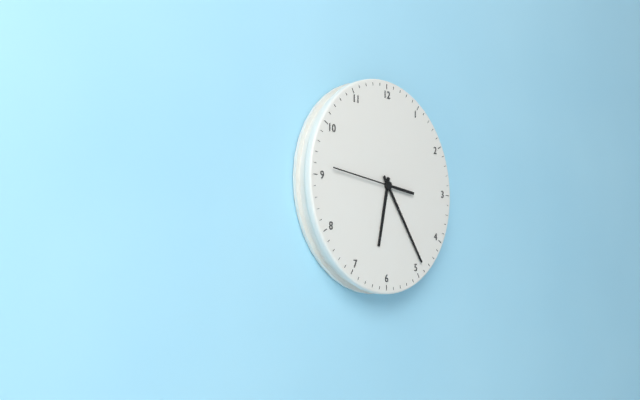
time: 6:24:46
